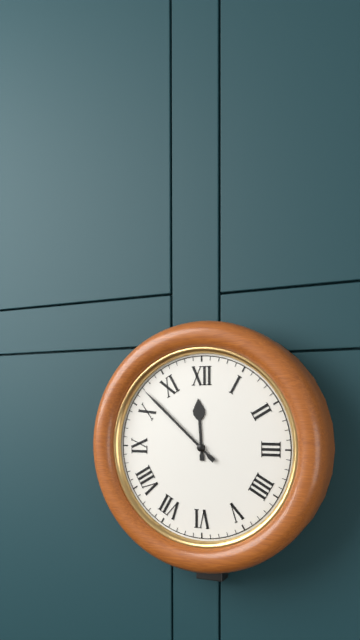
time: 11:52
